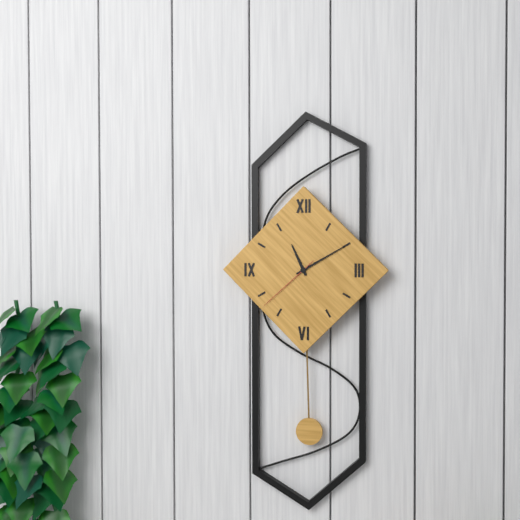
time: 11:10:38
